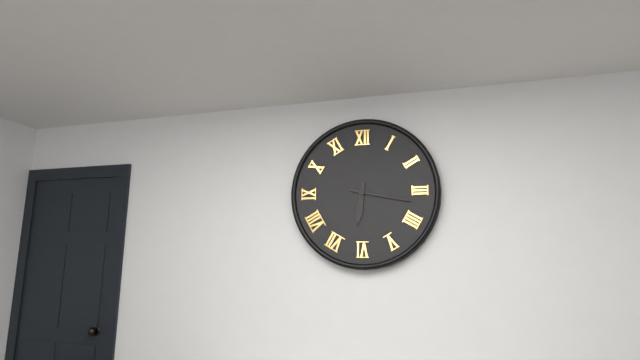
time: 6:17
